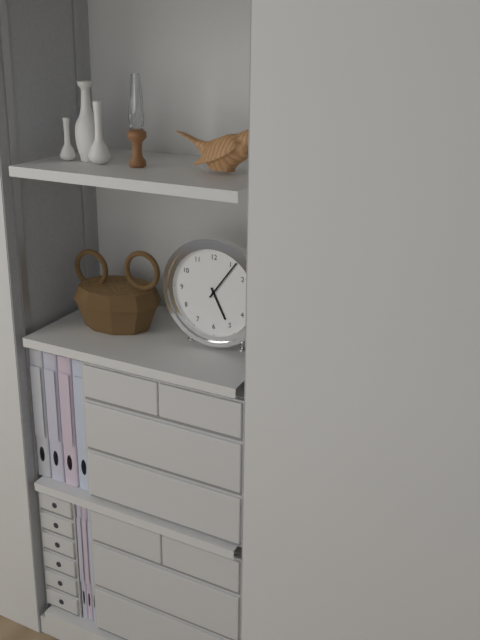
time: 5:06
